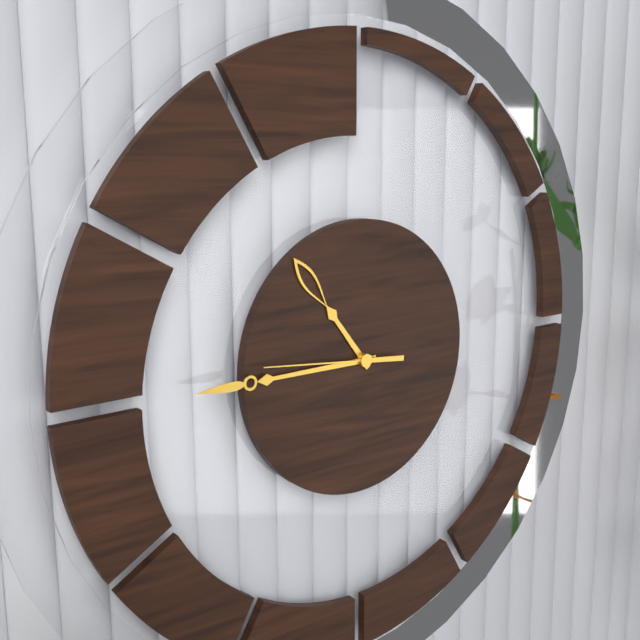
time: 10:45:46
